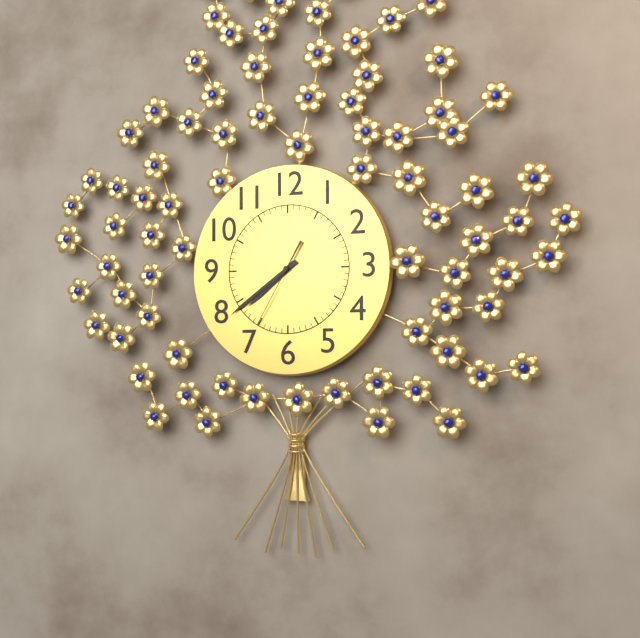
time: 7:39:35
